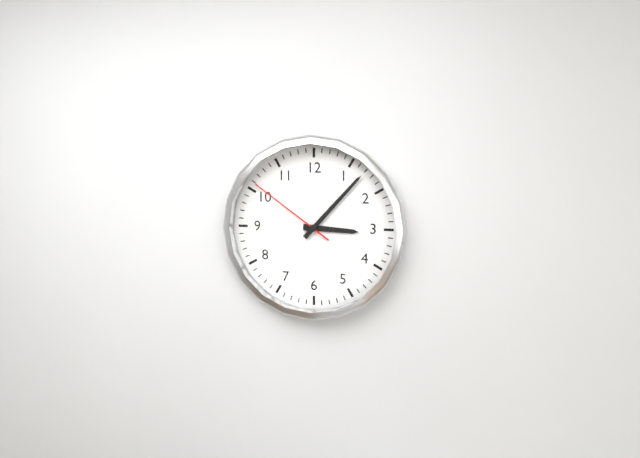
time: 3:07:51
